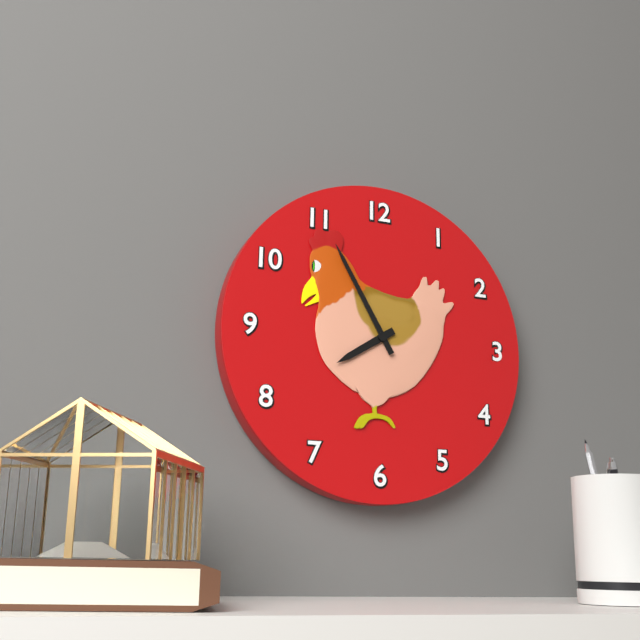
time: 7:55
